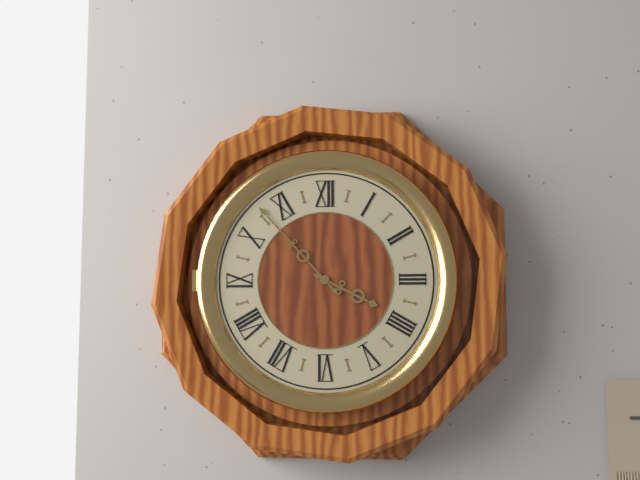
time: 3:53
